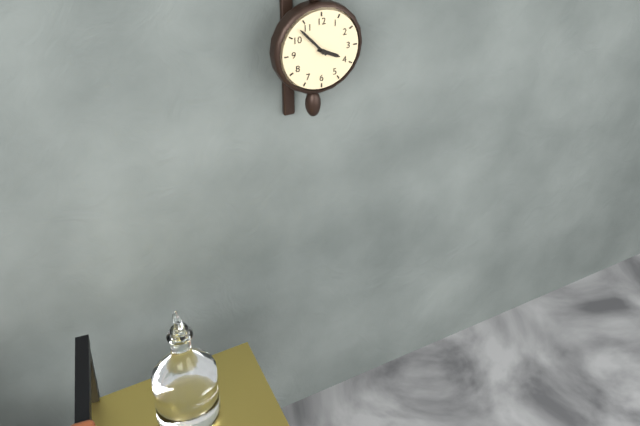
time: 3:53
